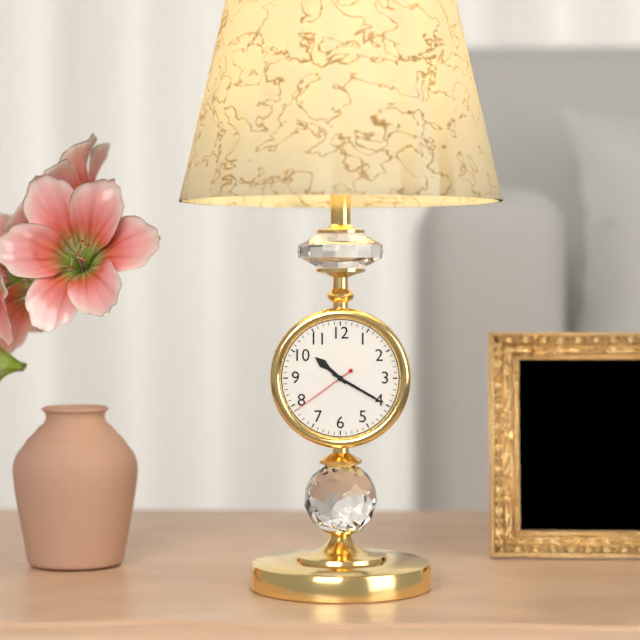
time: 10:20:39
